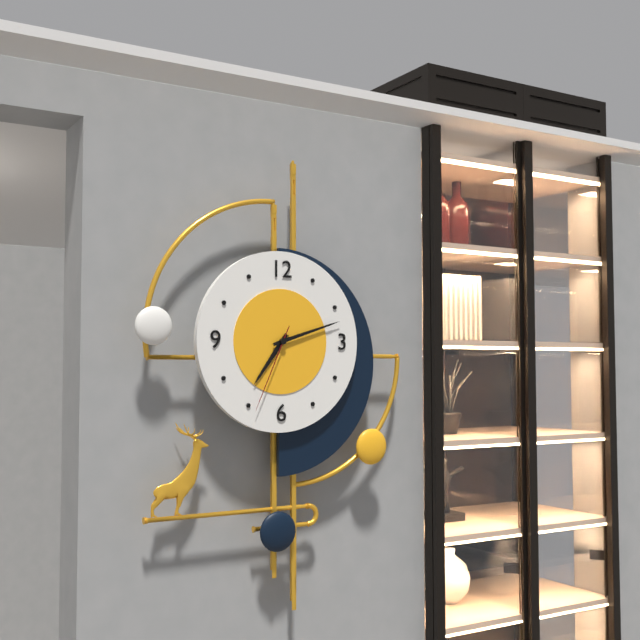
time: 7:12:34
